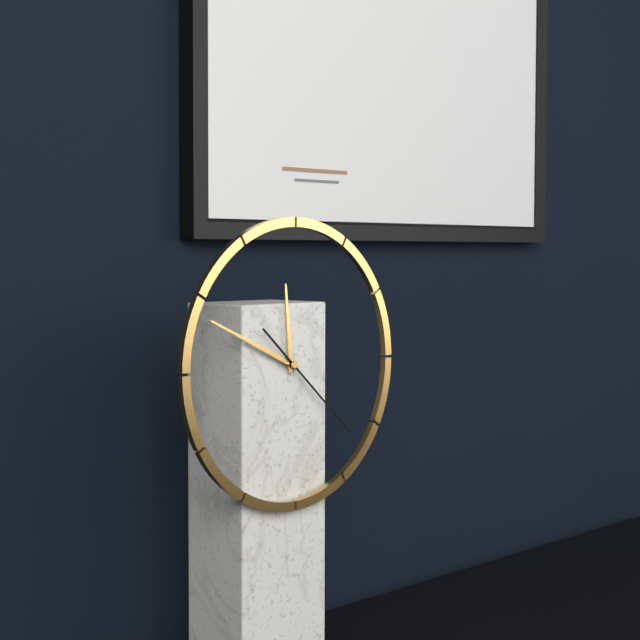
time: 11:49:22
